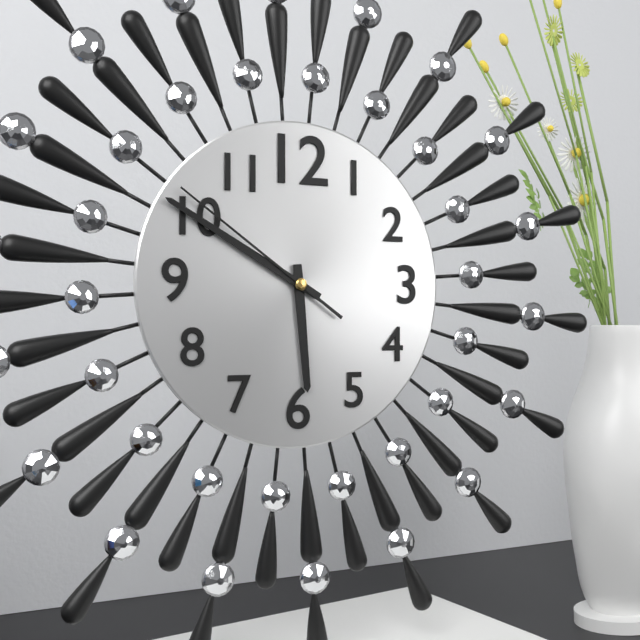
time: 5:50:51
